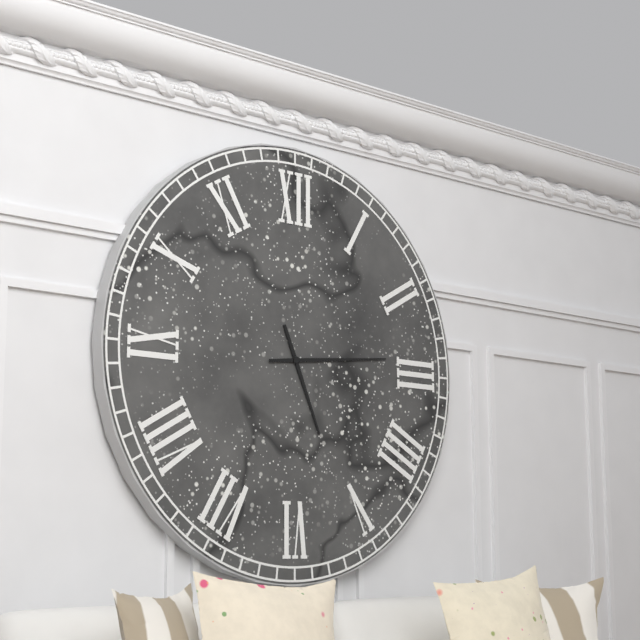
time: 5:14
